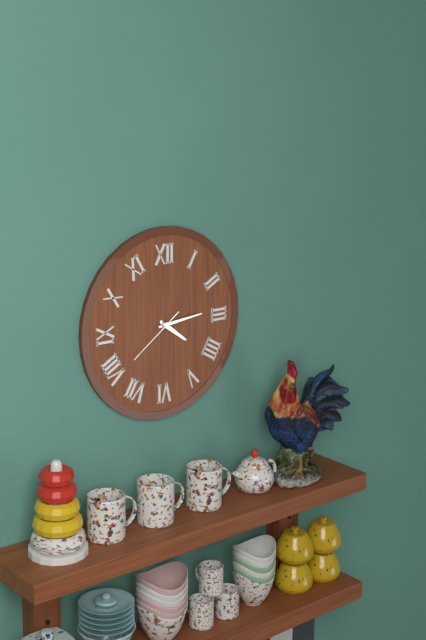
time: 4:14:39
